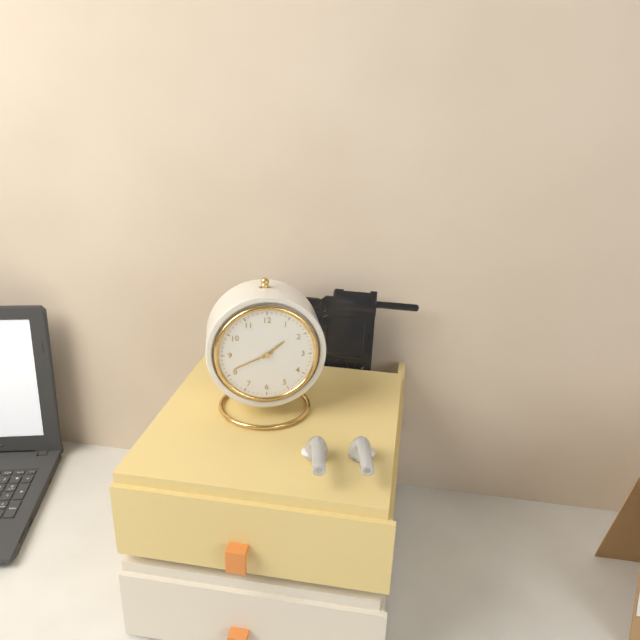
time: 1:41
